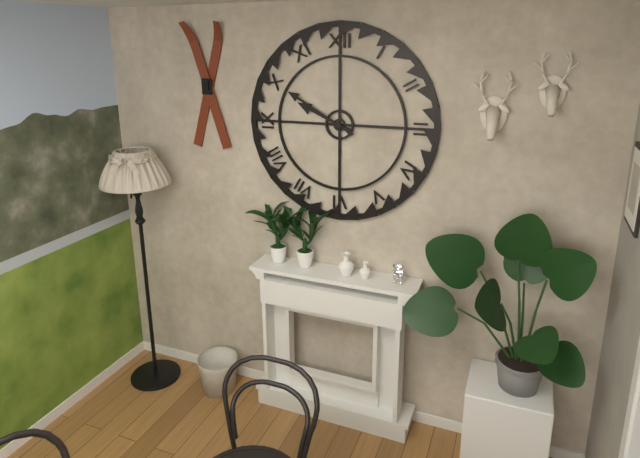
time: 9:50
